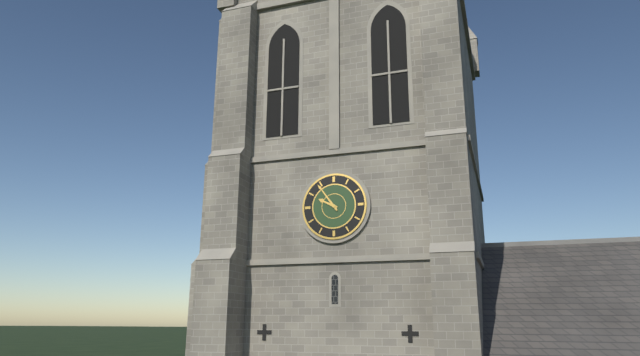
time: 9:54
